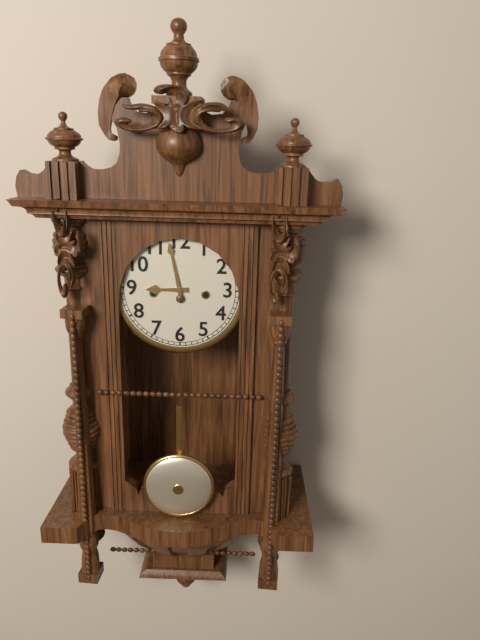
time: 8:58
